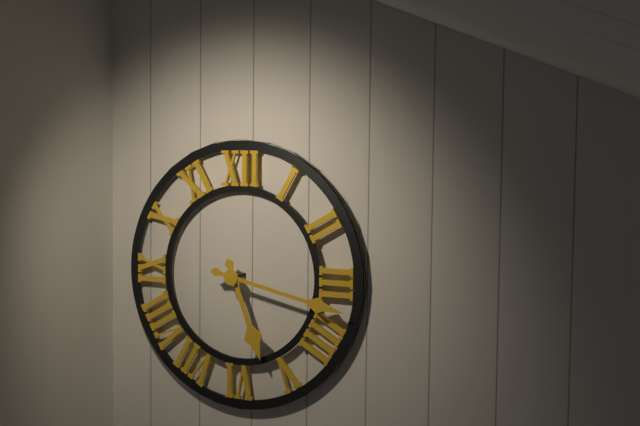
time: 5:17
